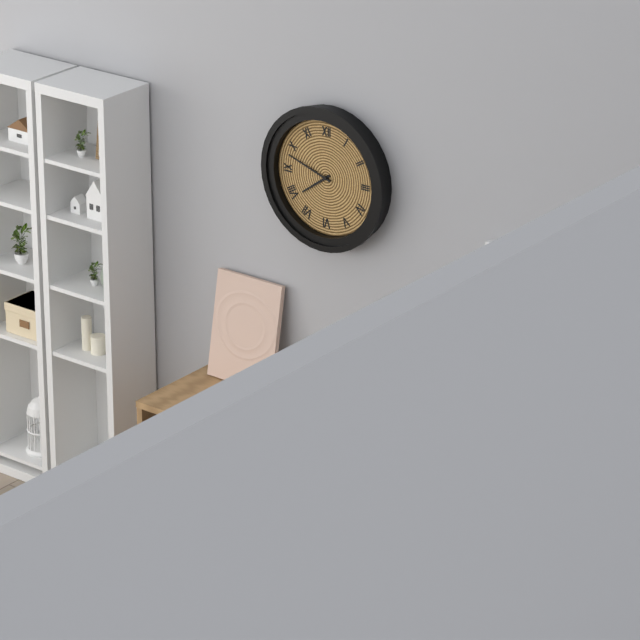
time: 7:48
